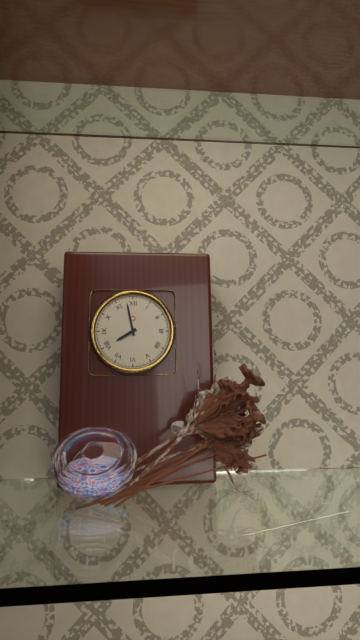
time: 7:58
